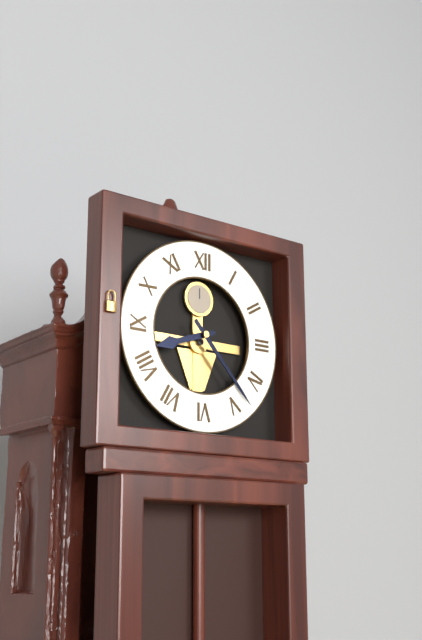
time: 8:23
